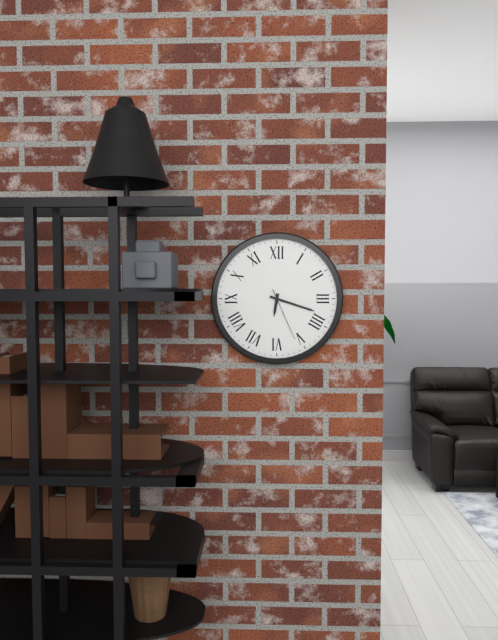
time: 6:18:26
